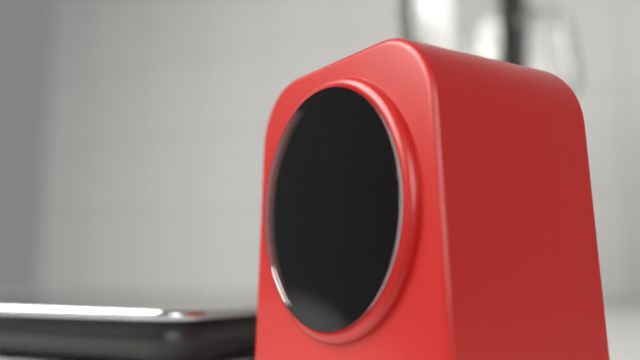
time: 8:27
